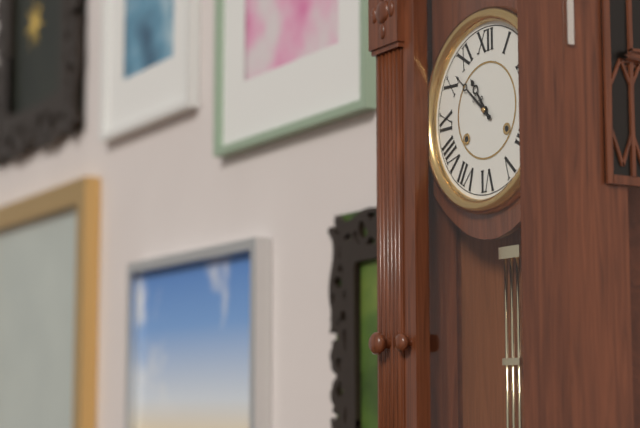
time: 10:52
